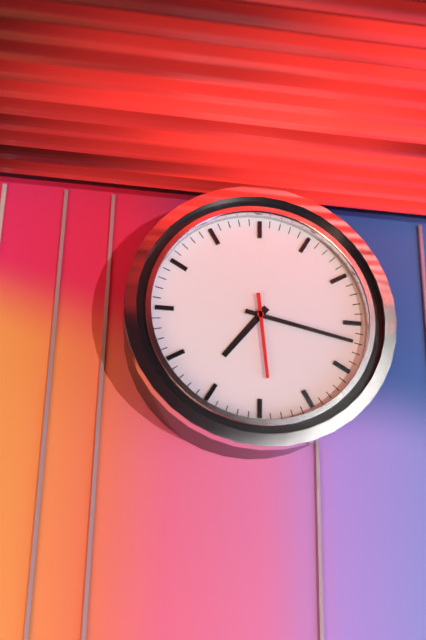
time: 7:17:29
